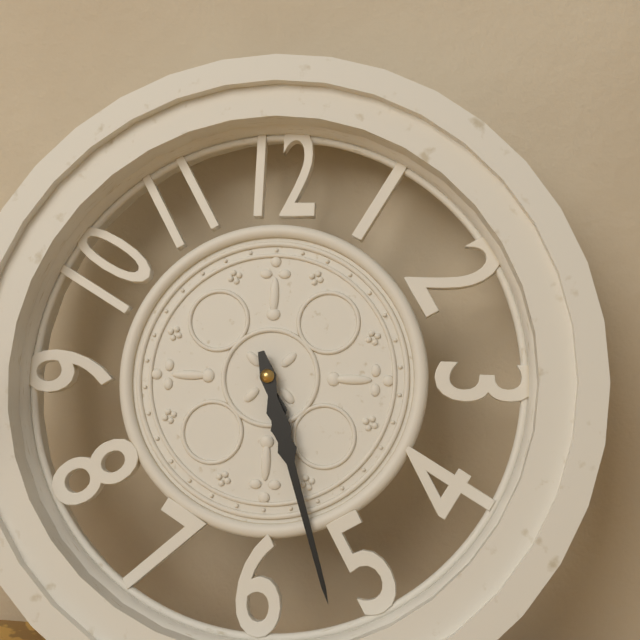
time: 5:27
